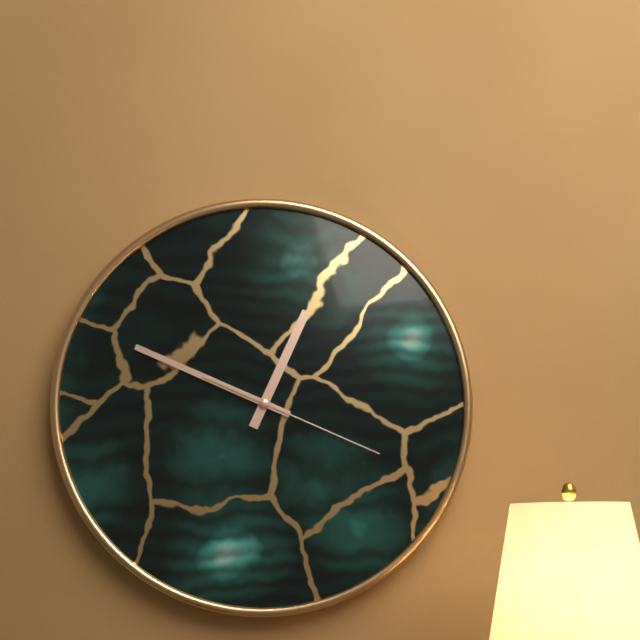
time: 12:49:19
